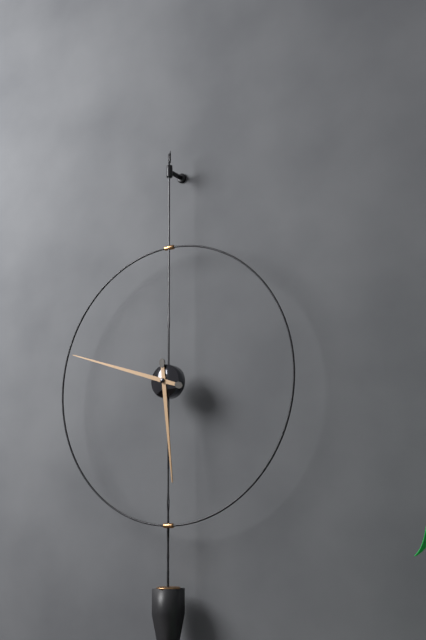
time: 5:48
